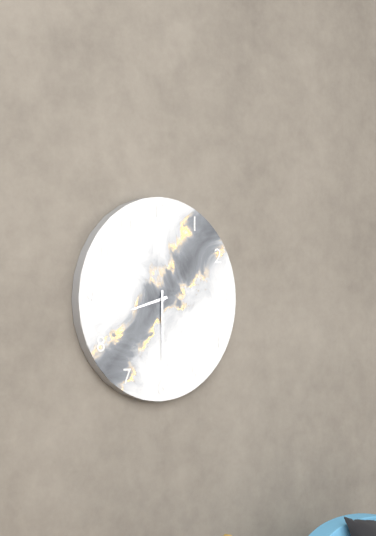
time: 8:30
